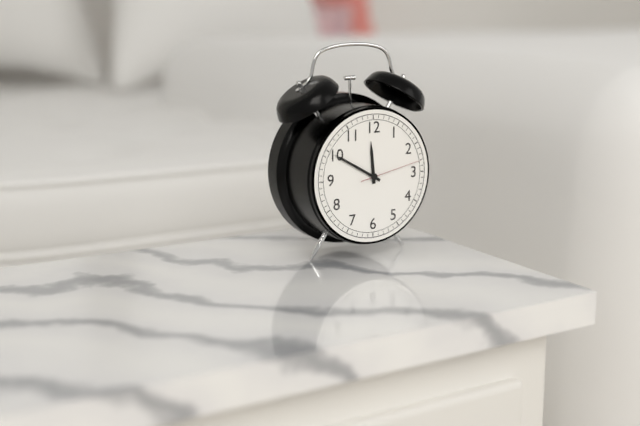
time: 11:50:13
